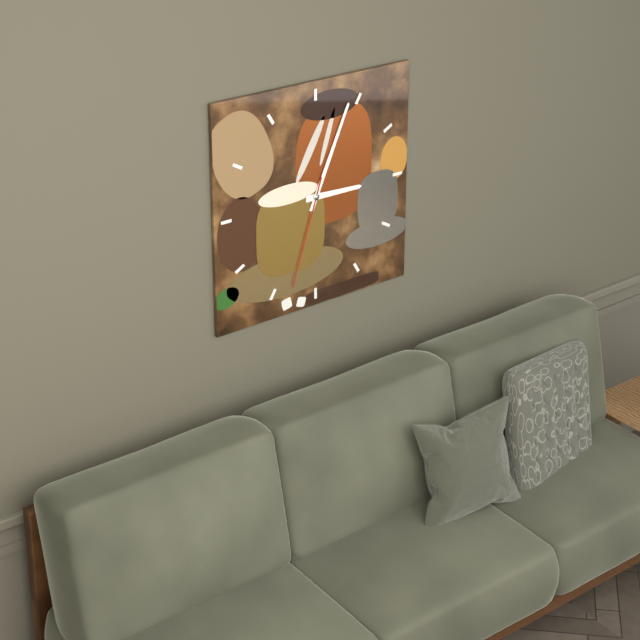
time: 3:04:33
